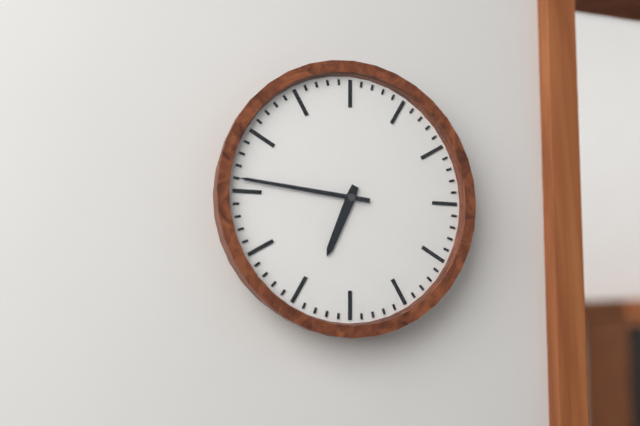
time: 6:46
